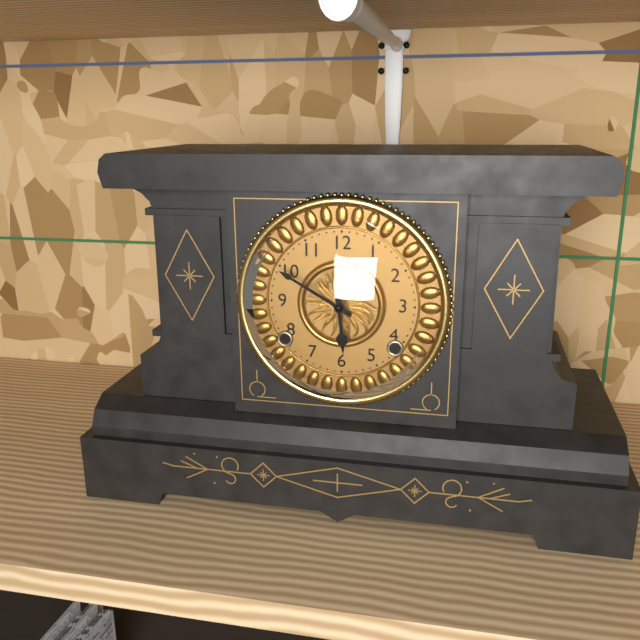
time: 5:50
